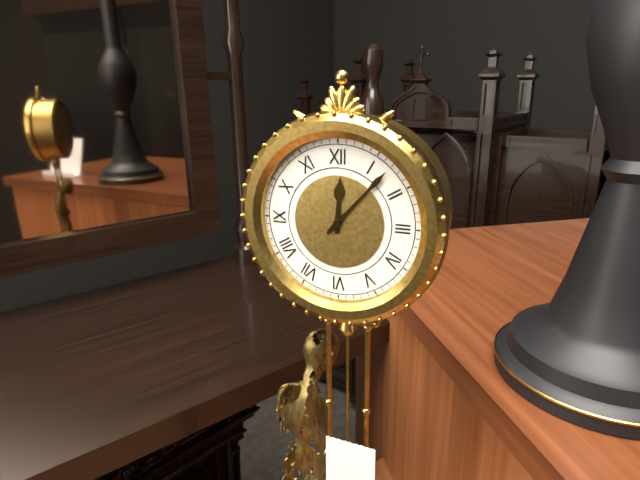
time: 12:07
